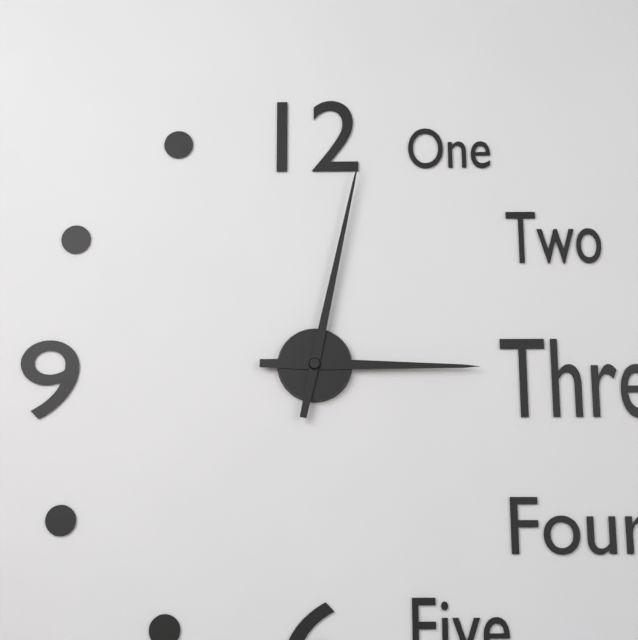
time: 3:02
